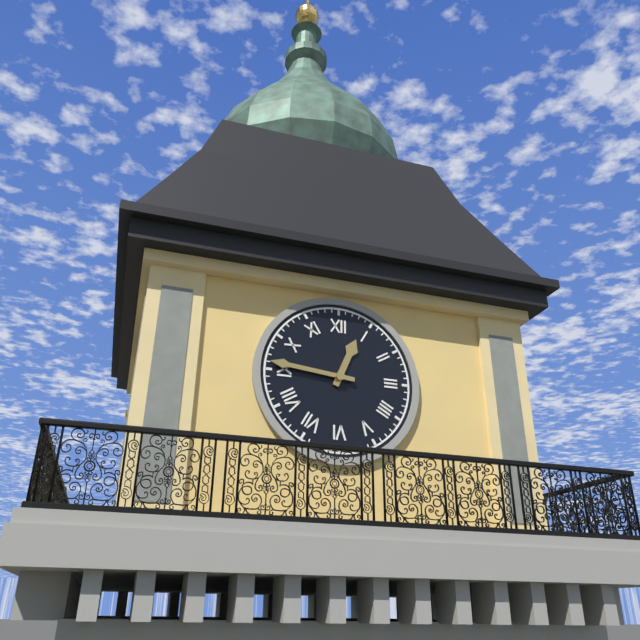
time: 12:46
